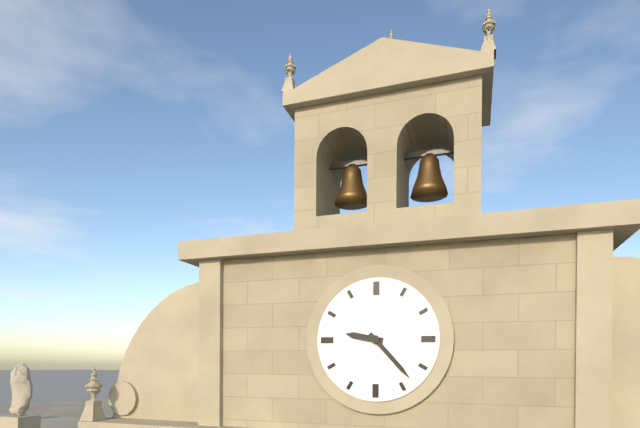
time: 9:23
